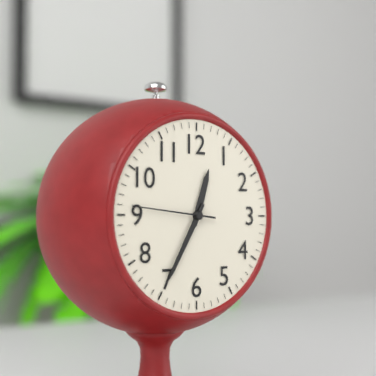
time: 12:35:46
